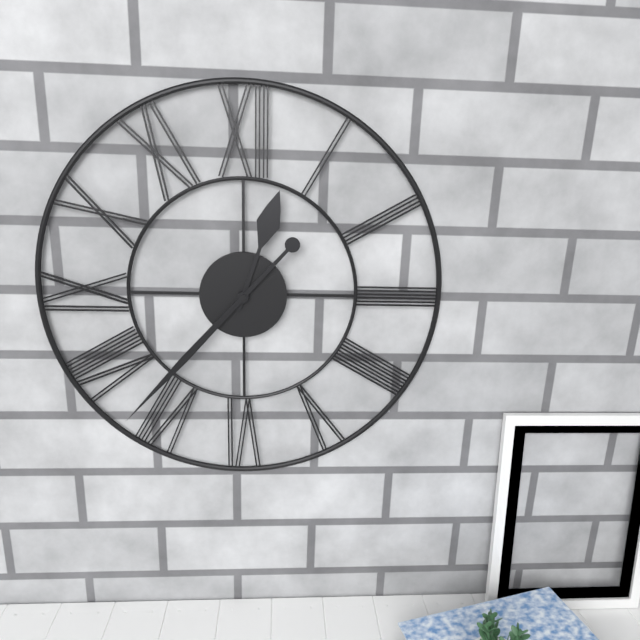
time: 12:37
